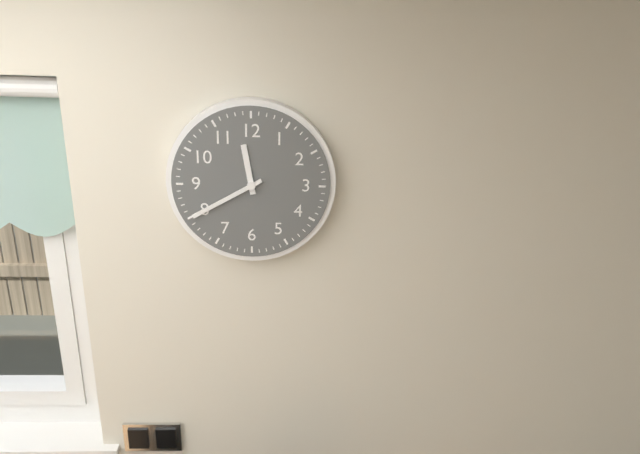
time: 11:40
